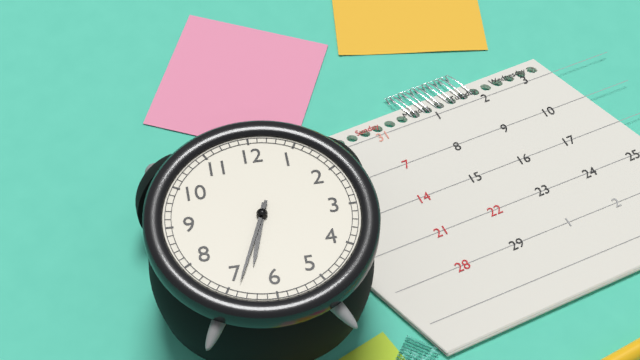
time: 6:34
